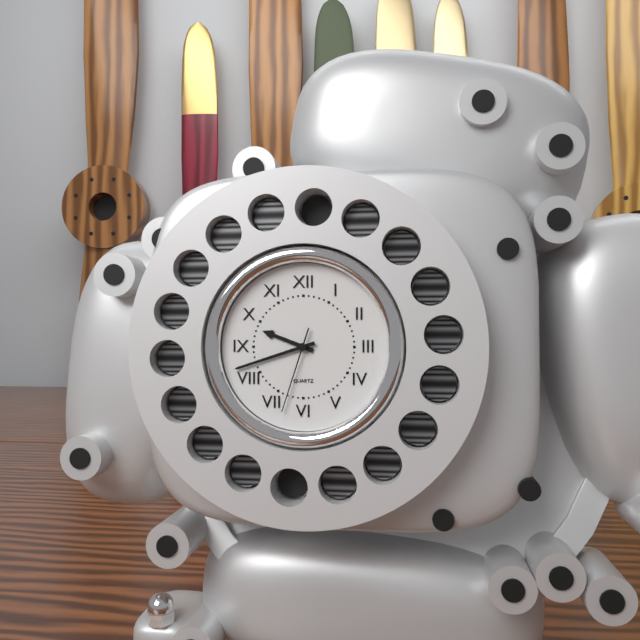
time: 9:42:33
